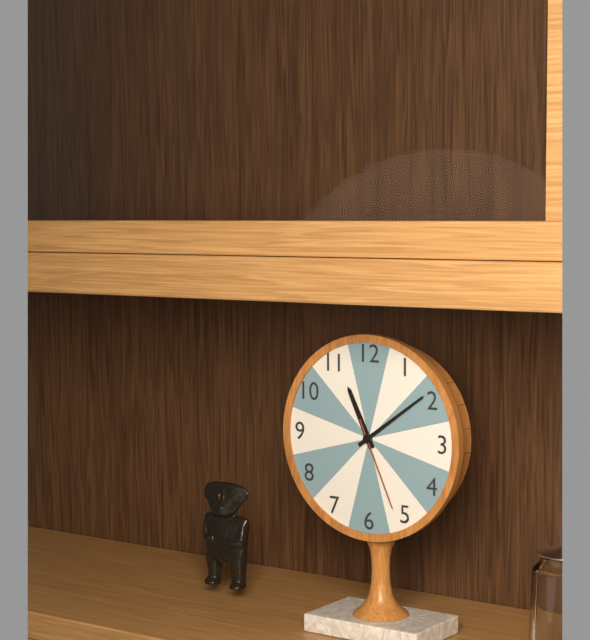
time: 11:09:26
